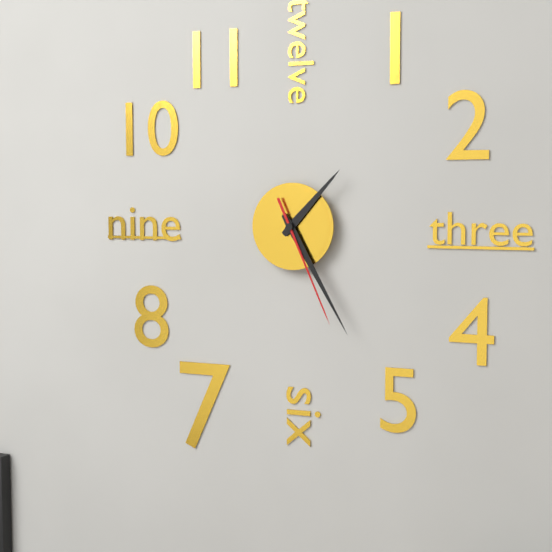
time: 1:25:26
